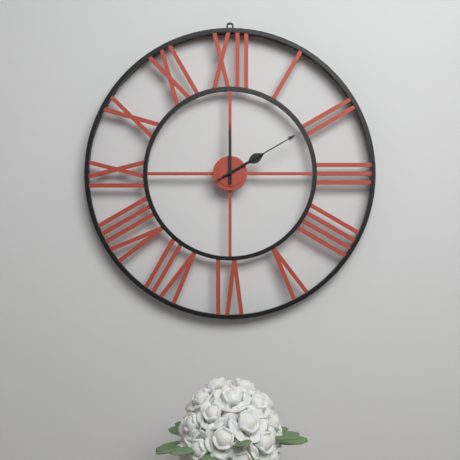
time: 2:00:10
